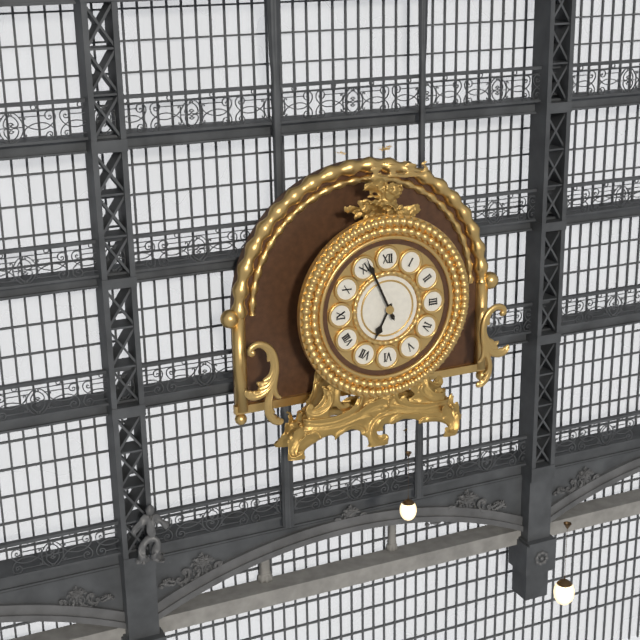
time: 6:56
